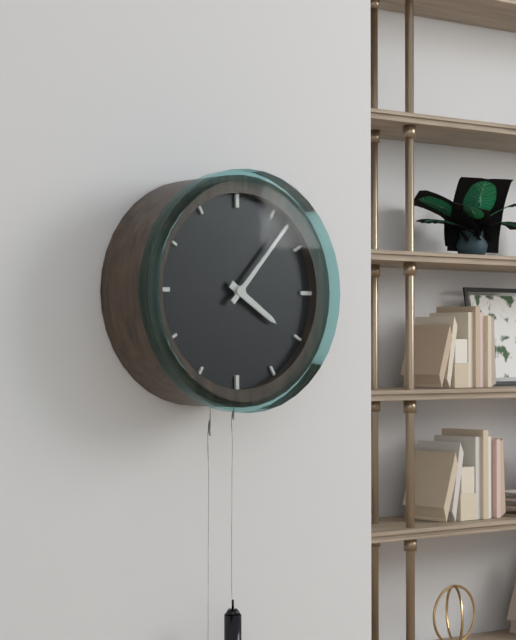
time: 4:07
